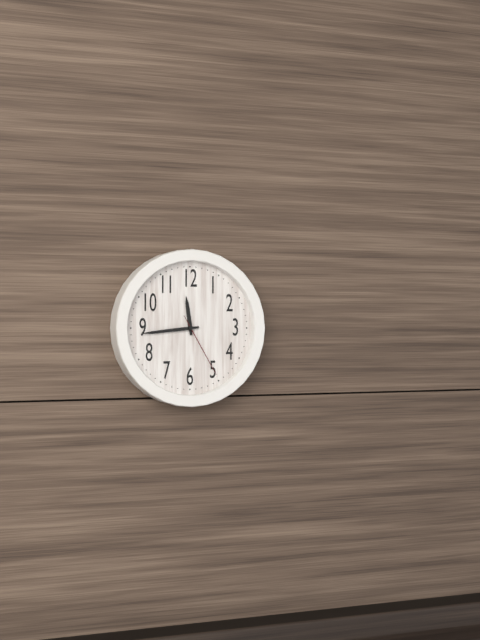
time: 11:44:25
